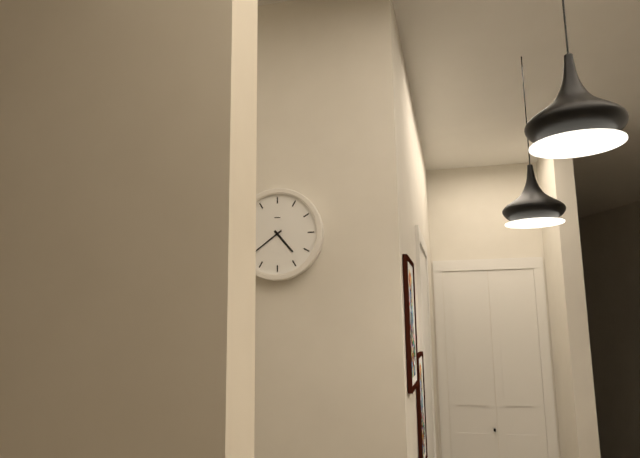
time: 4:39
